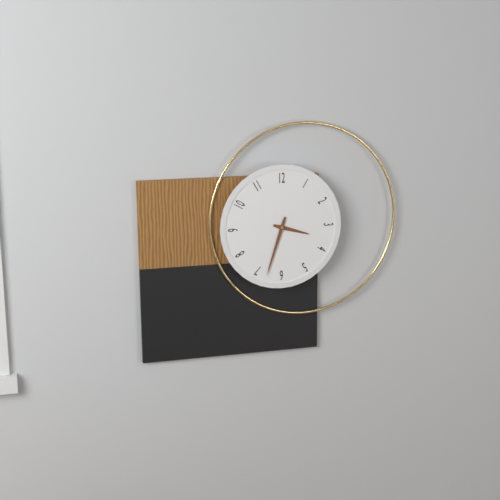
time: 3:33
